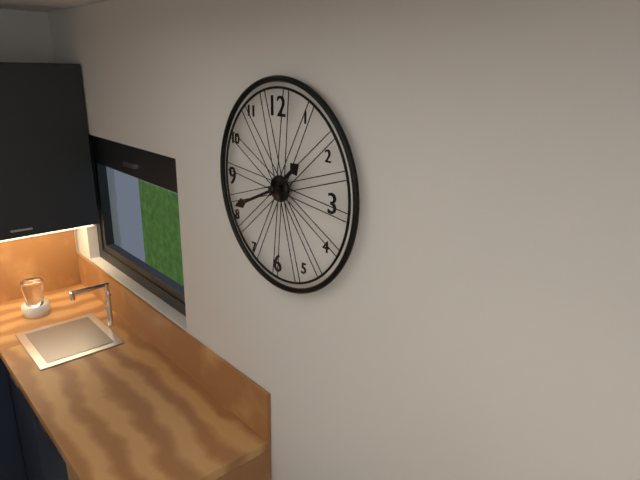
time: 1:41
